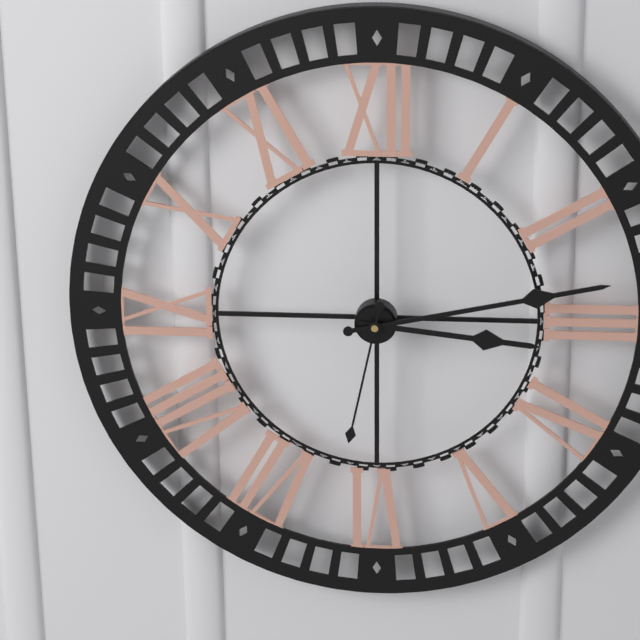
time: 3:13:32
